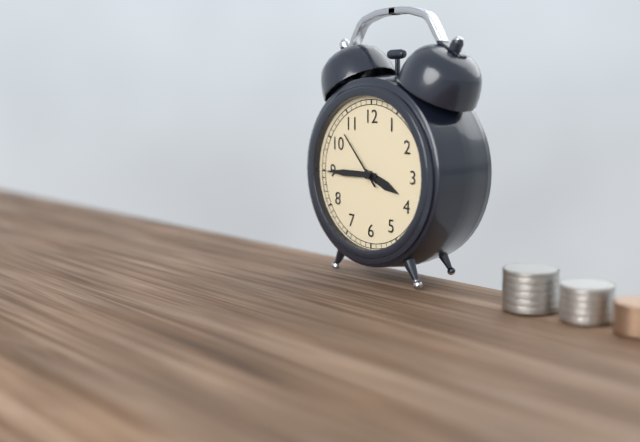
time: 3:45:53
